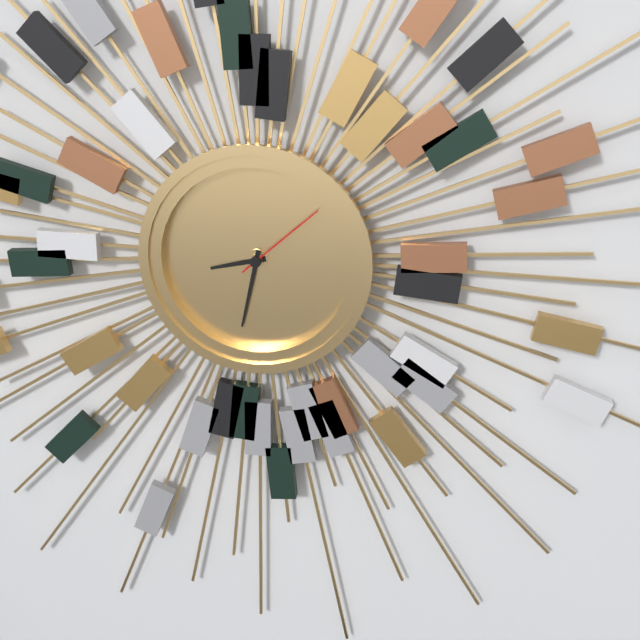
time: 8:32:08
